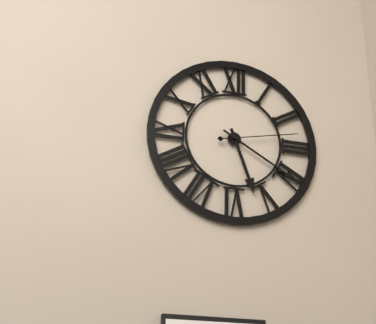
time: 5:20:13
